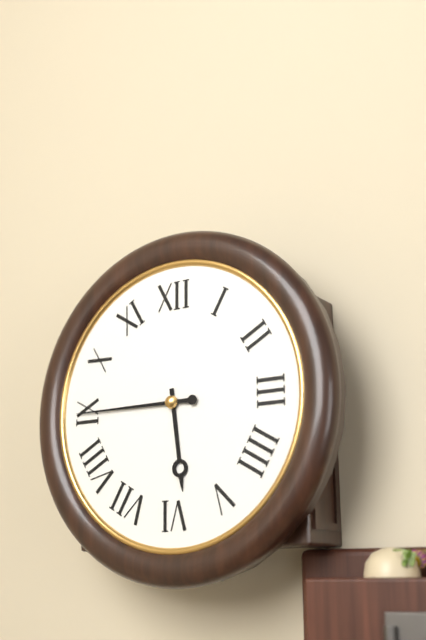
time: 5:45
